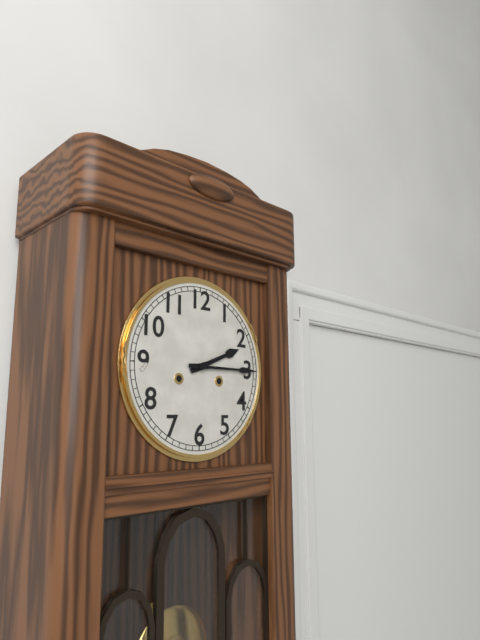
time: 2:15
